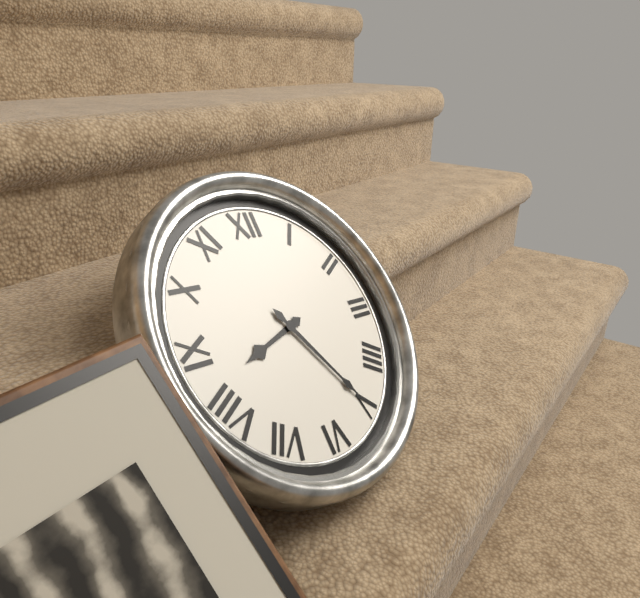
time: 8:25
